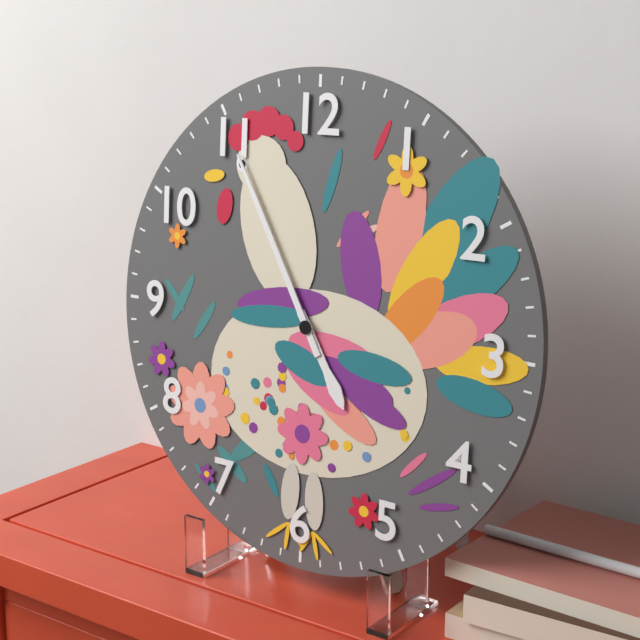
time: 4:55
